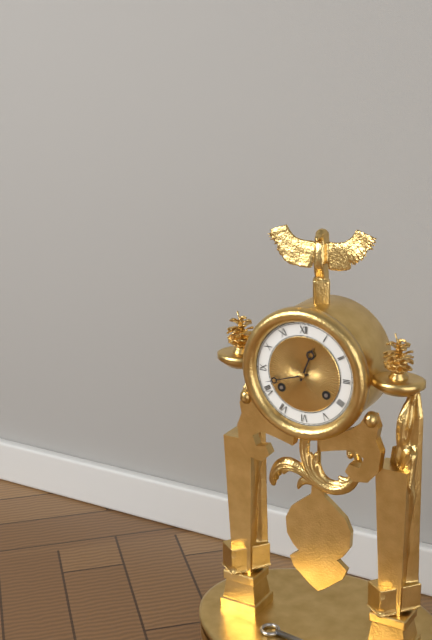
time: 12:42
